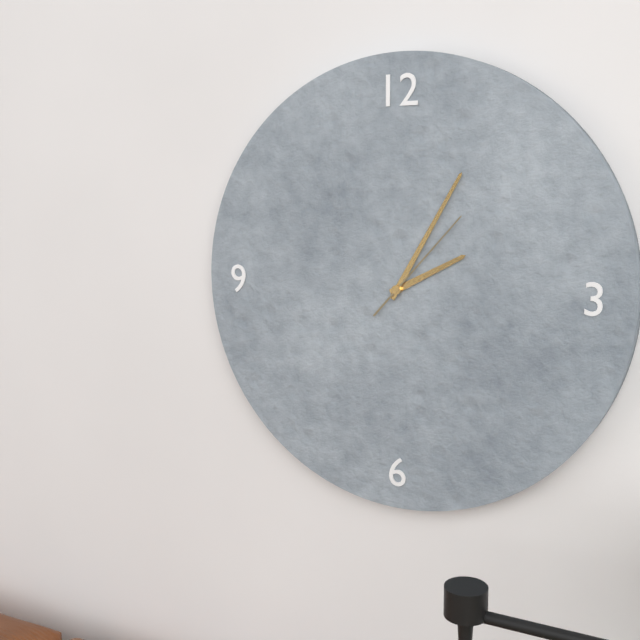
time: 2:05:07
